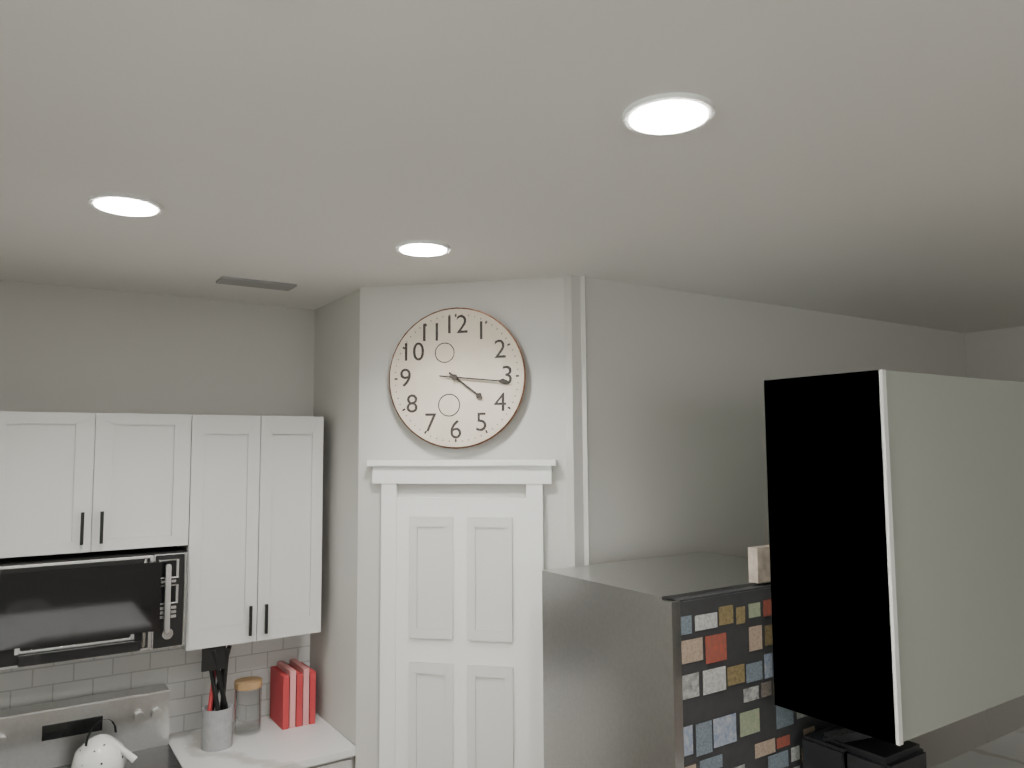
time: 4:16
